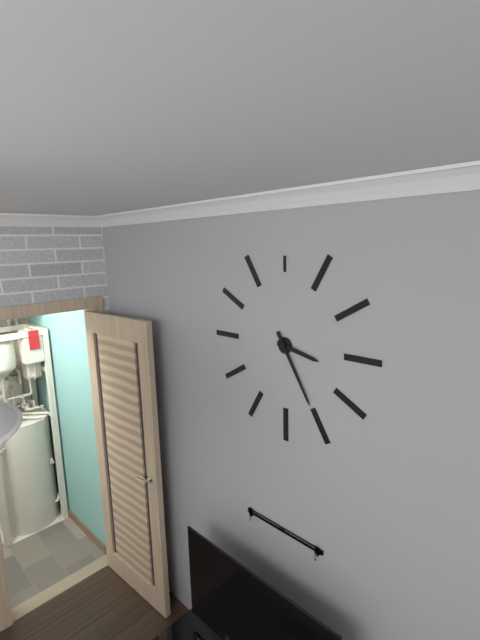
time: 3:25
